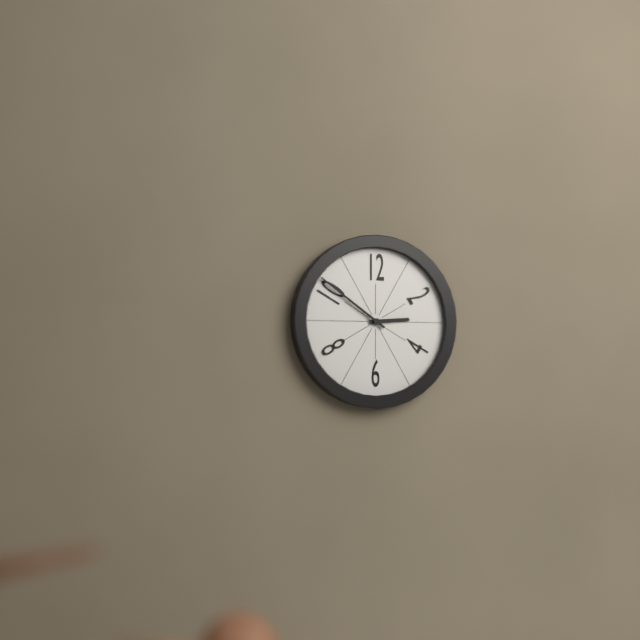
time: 2:51
